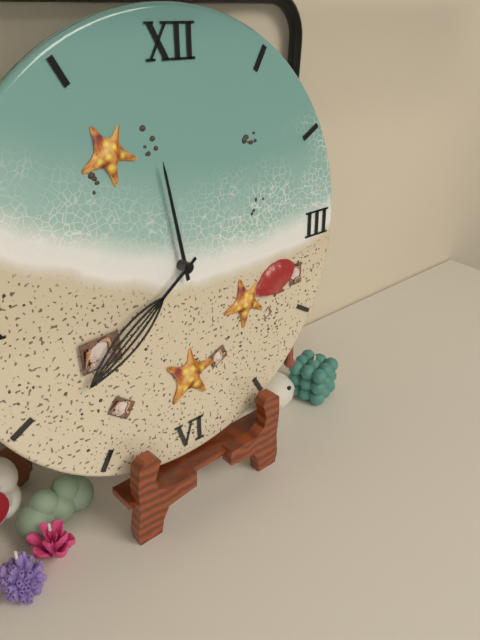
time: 11:39
